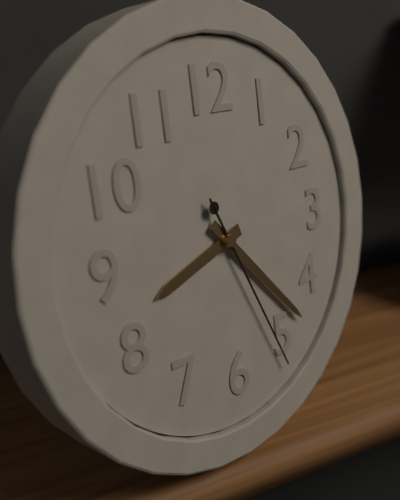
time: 8:23:26
